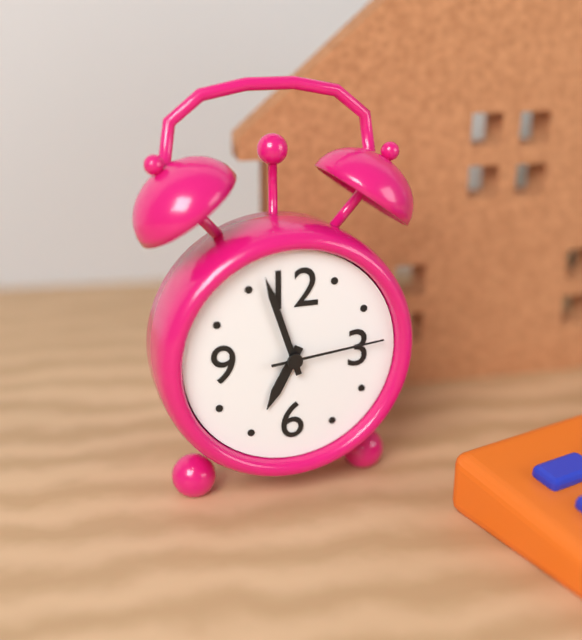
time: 6:57:14
